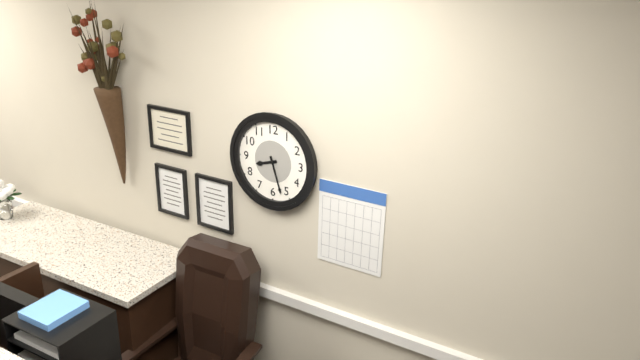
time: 8:27
